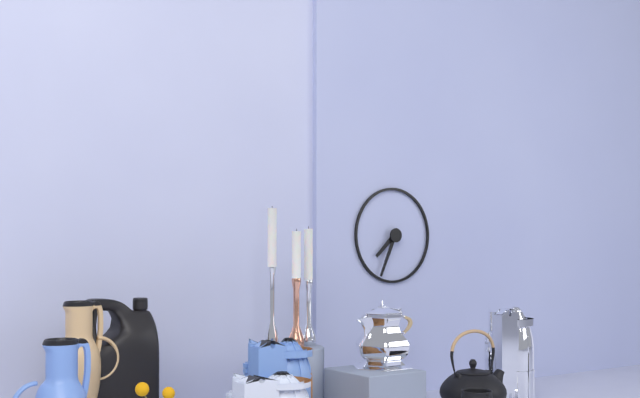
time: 7:34
